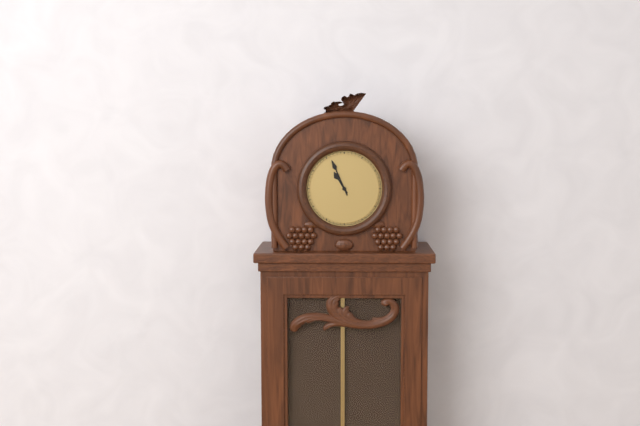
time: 10:56
